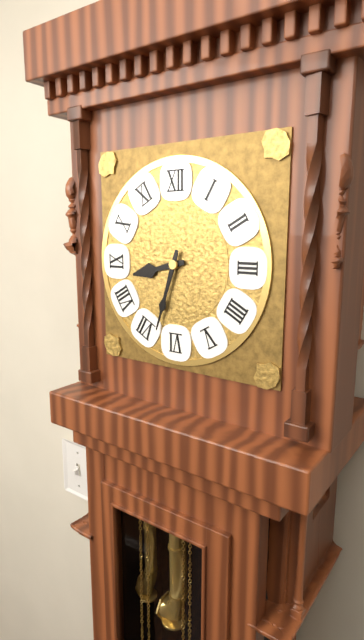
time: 8:33
